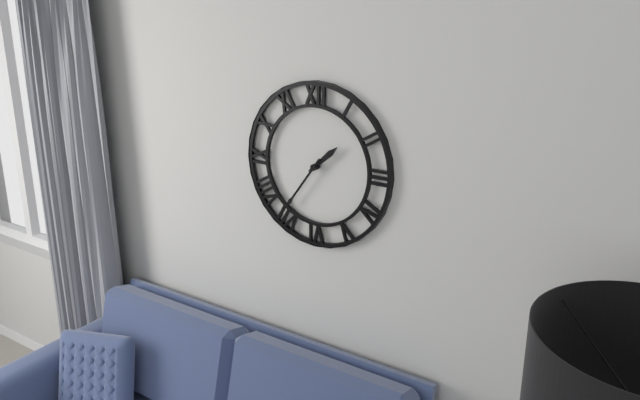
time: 1:36
